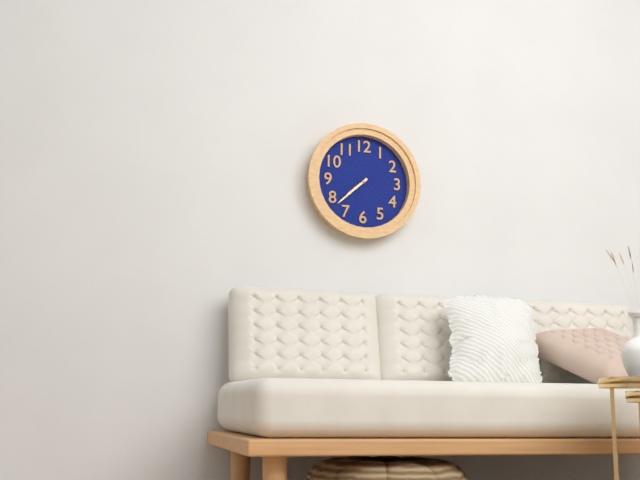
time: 7:38
